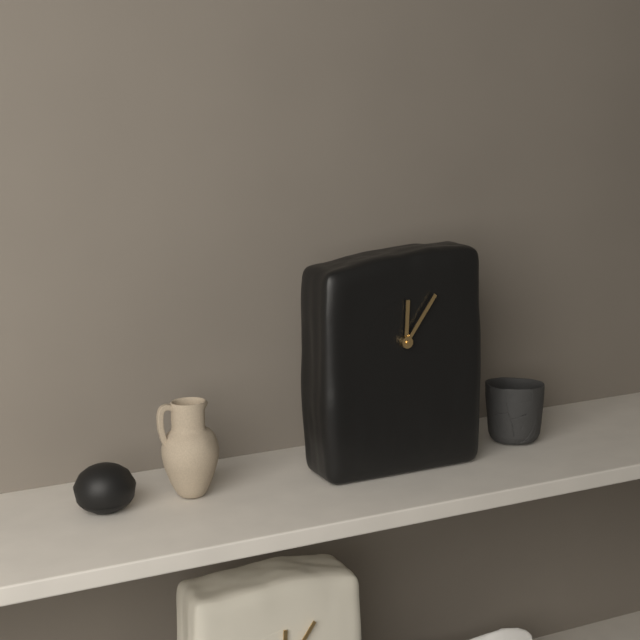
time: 12:06
